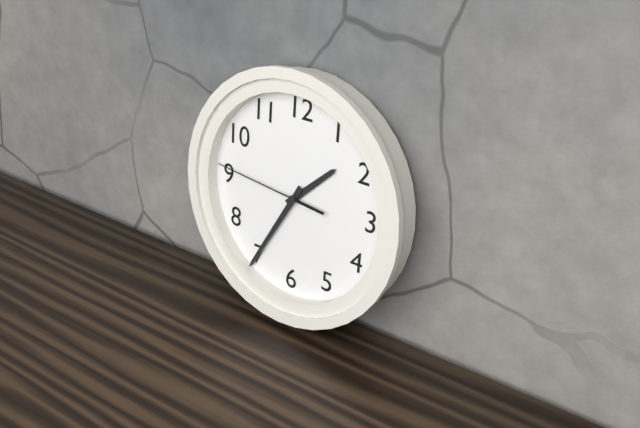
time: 1:35:46
